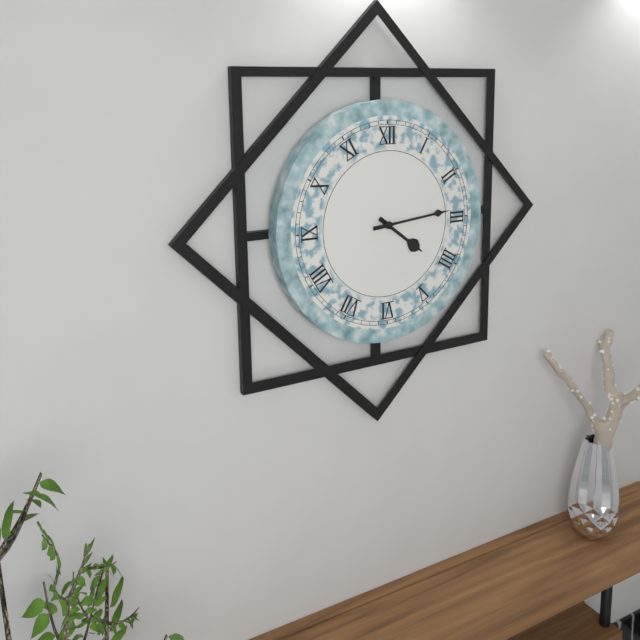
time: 4:14
